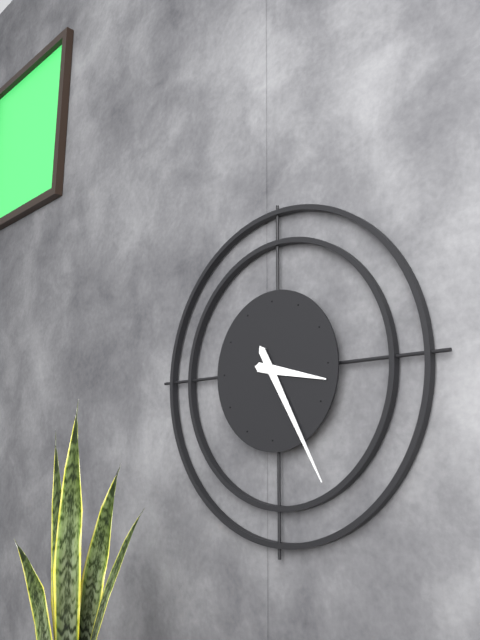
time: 3:25
